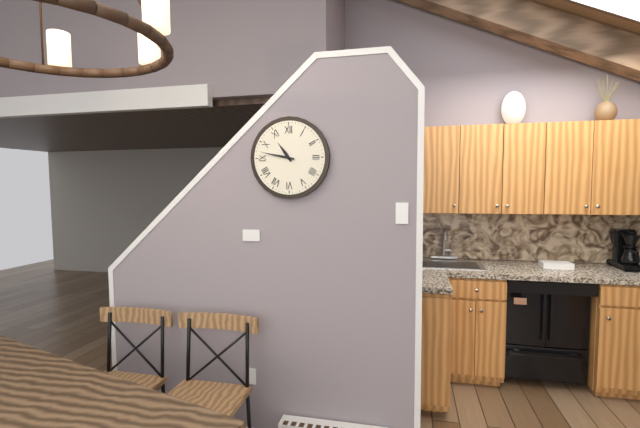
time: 10:47
